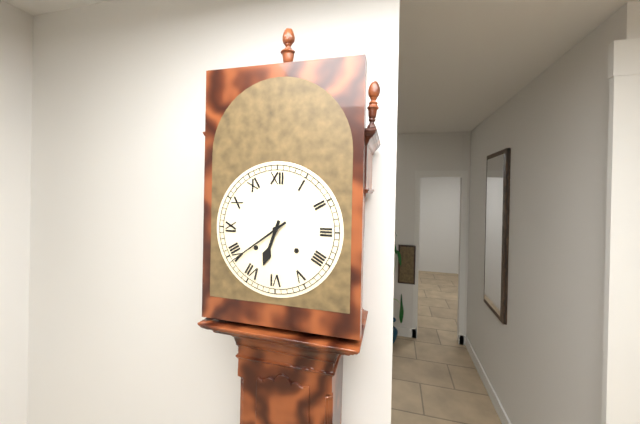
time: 6:39
